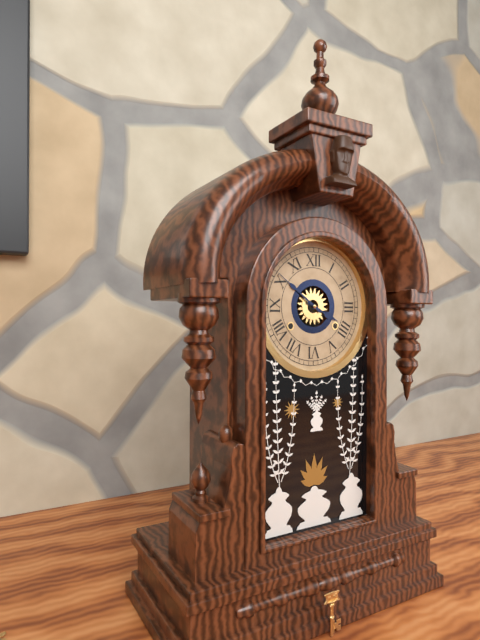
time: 3:51
